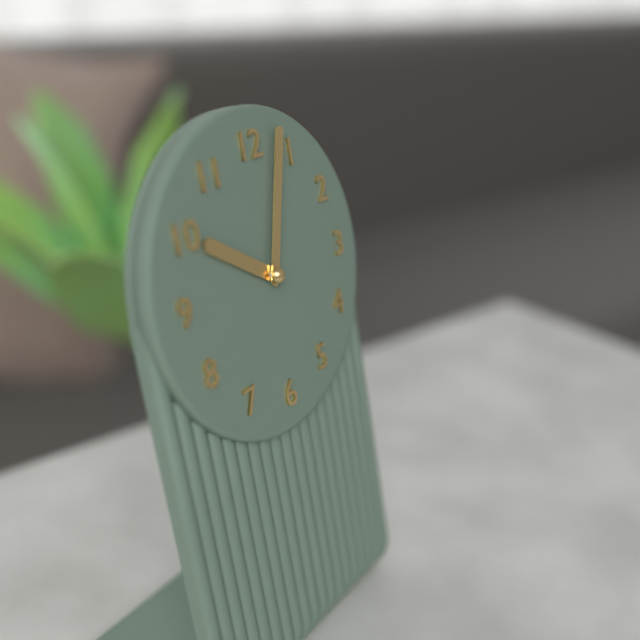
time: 10:03
